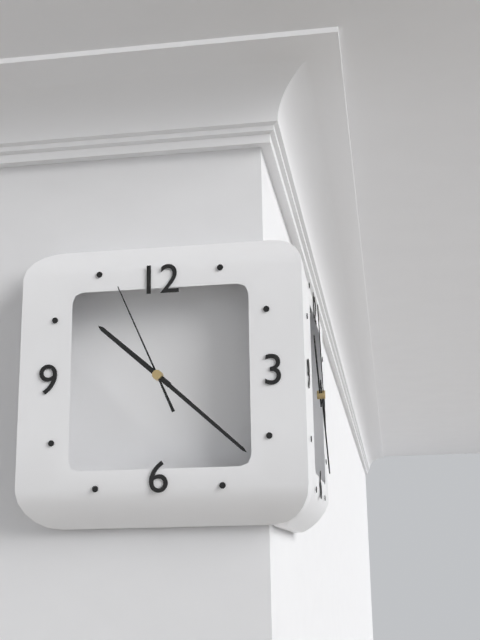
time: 10:22:56
